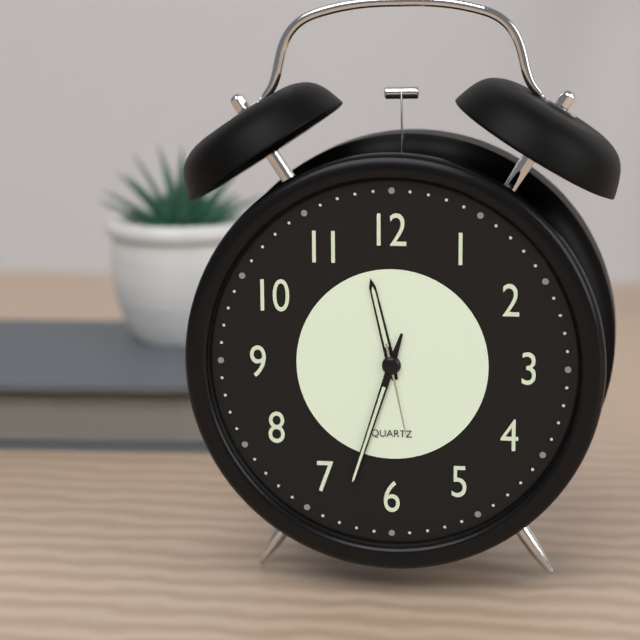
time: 11:33:28
